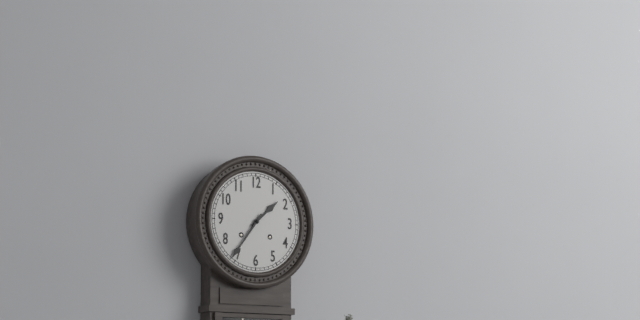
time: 1:36
